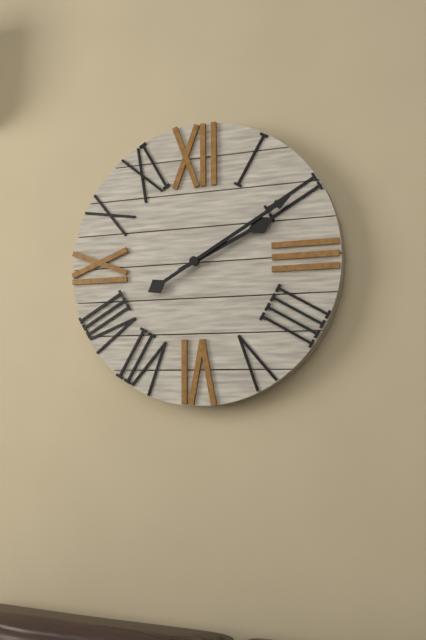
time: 2:10
